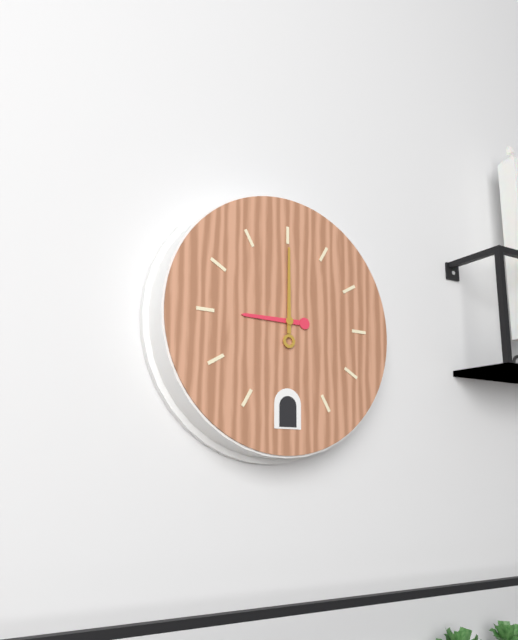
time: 9:00
